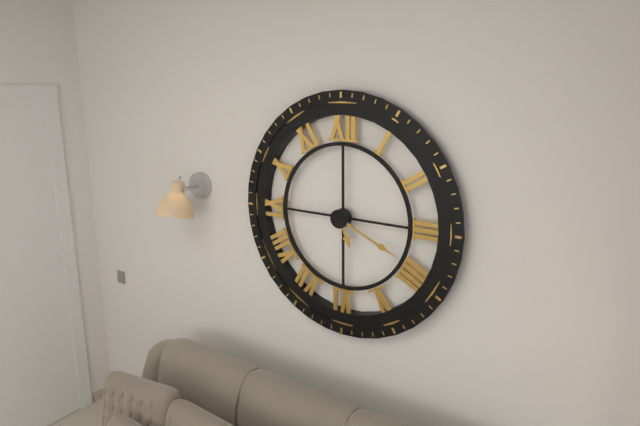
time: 5:19
